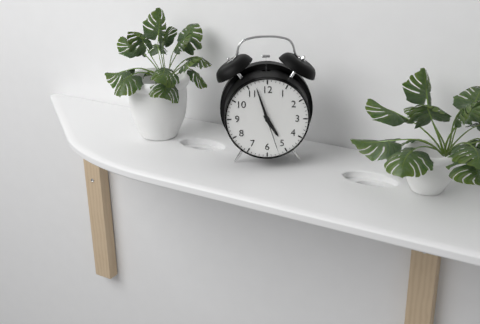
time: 4:57
